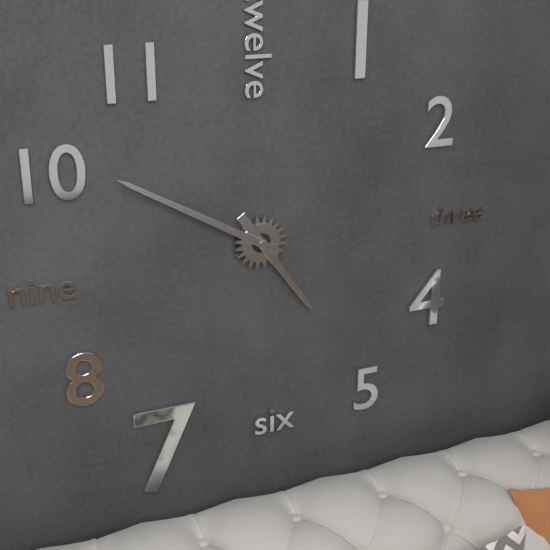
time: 4:50
